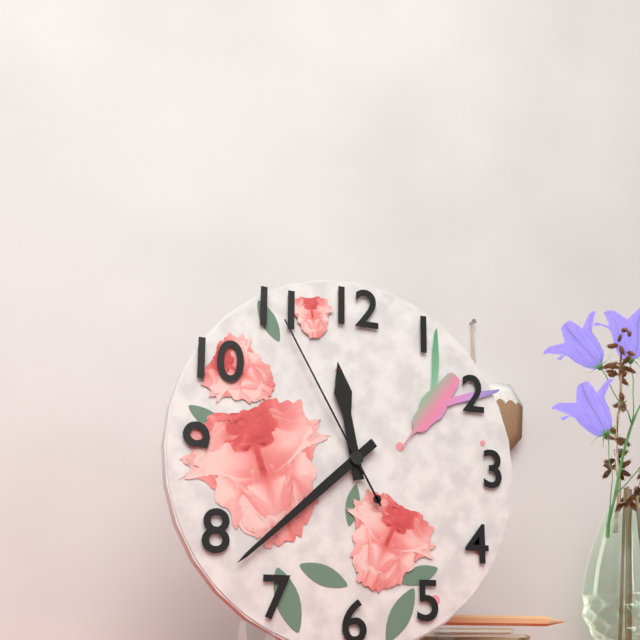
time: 11:38:55
